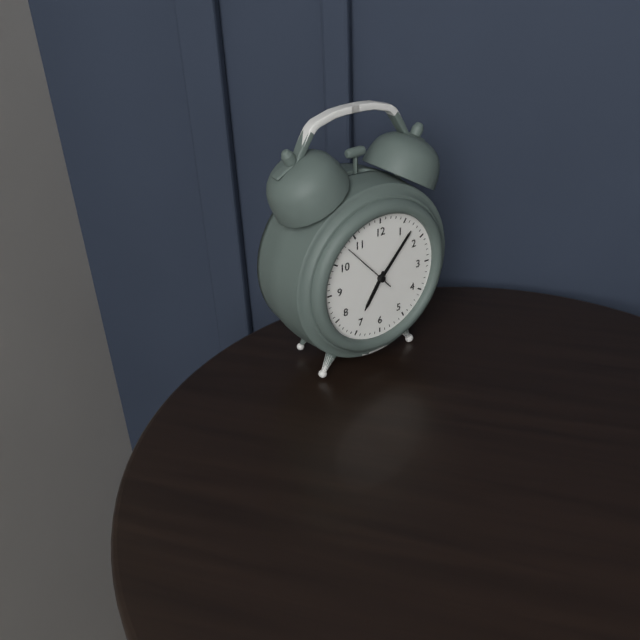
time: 7:07:53
